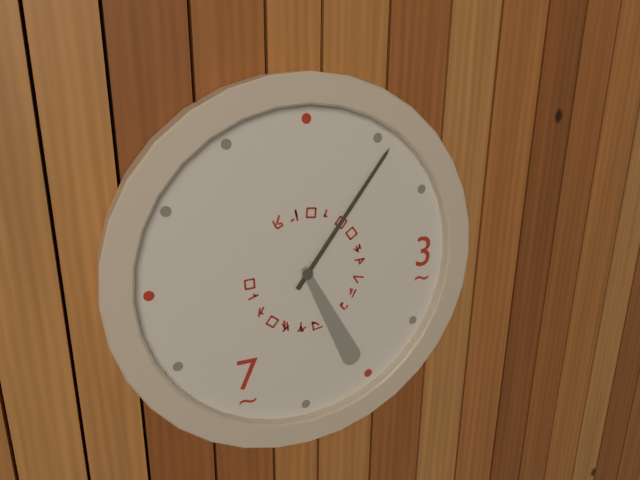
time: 5:06
